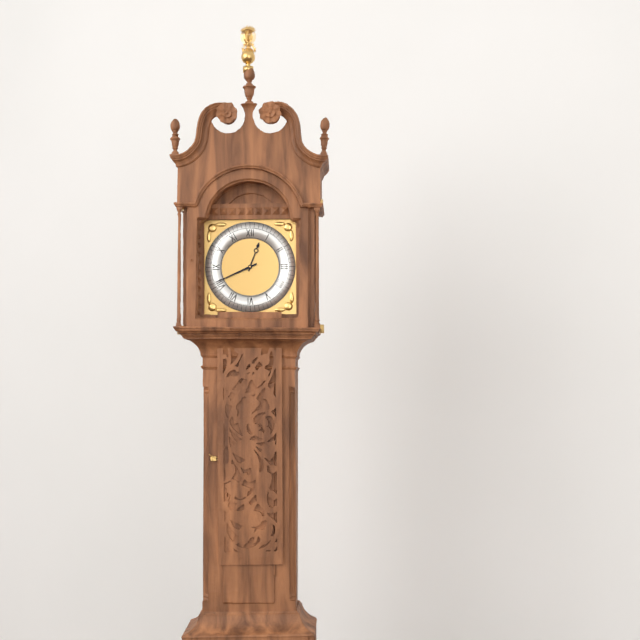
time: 12:41
